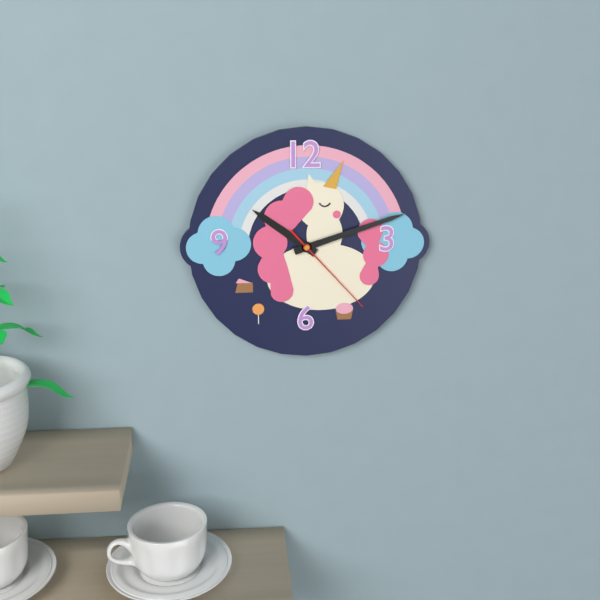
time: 10:12:23
